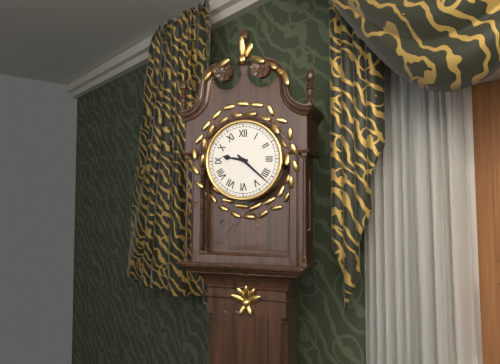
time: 9:22
